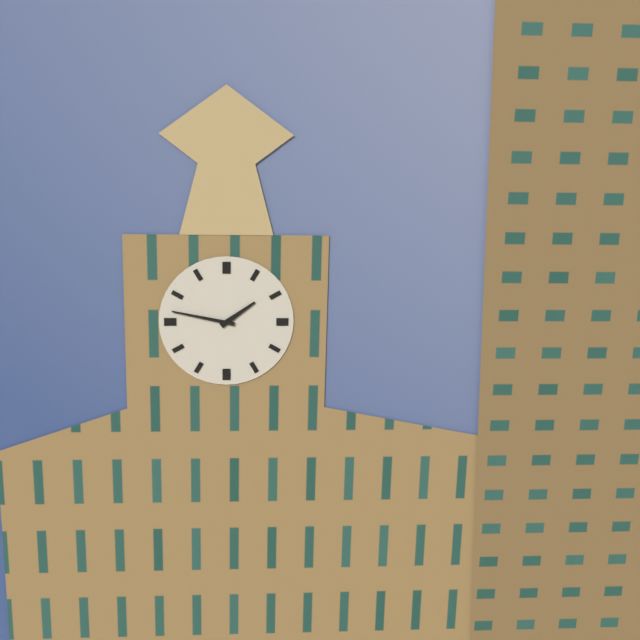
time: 1:47
